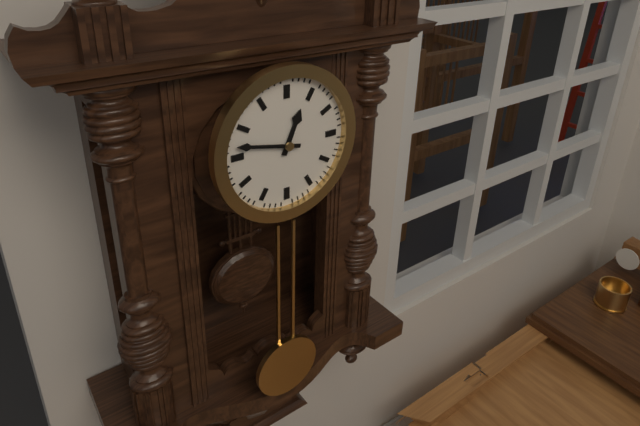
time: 12:47
